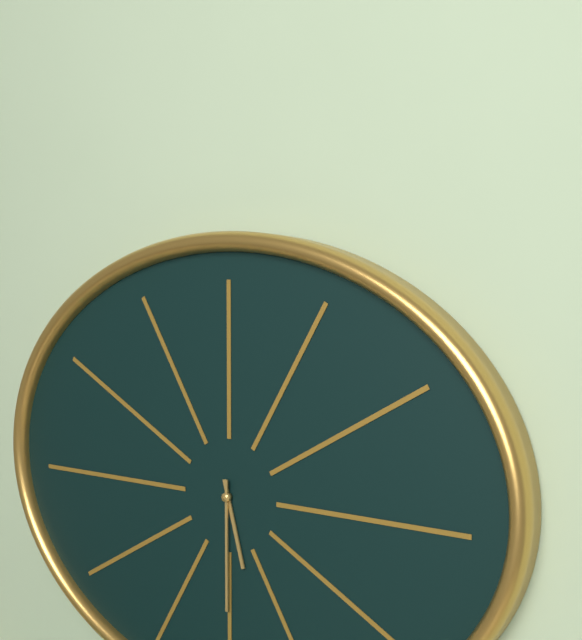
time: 5:30
